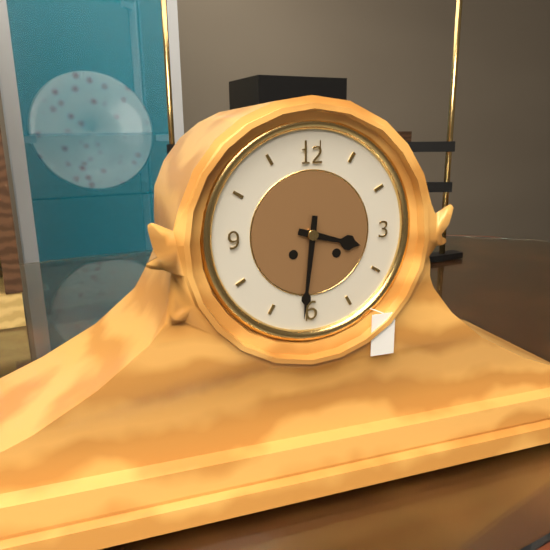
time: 3:31
